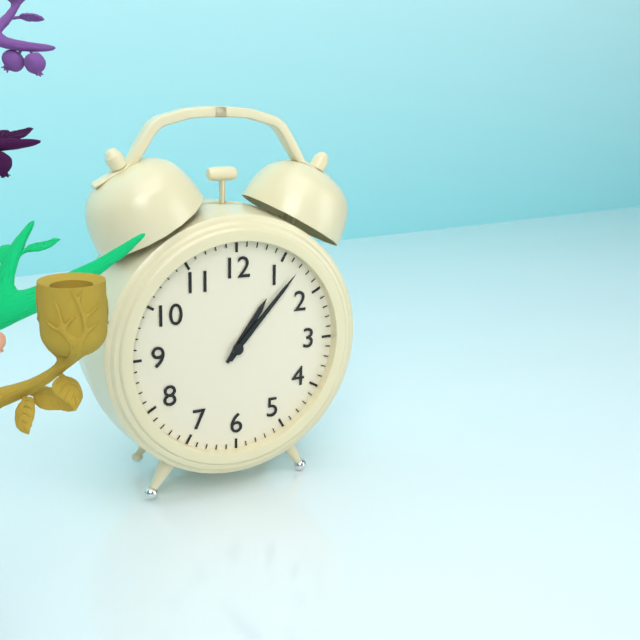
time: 1:07
